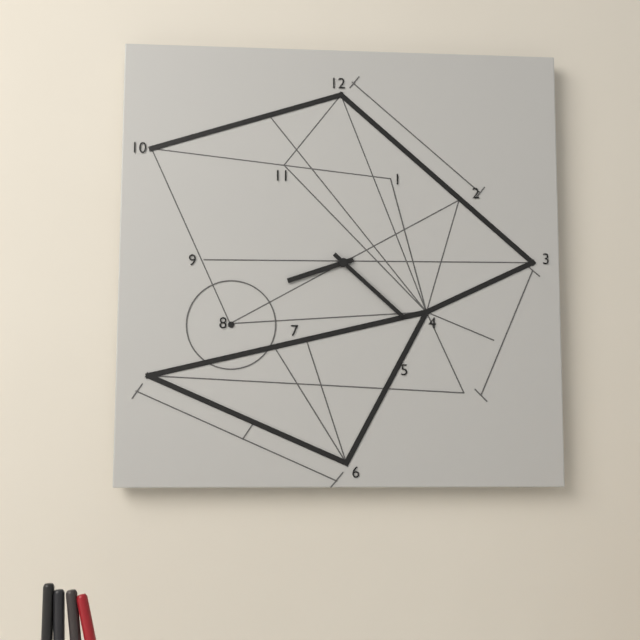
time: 8:22
